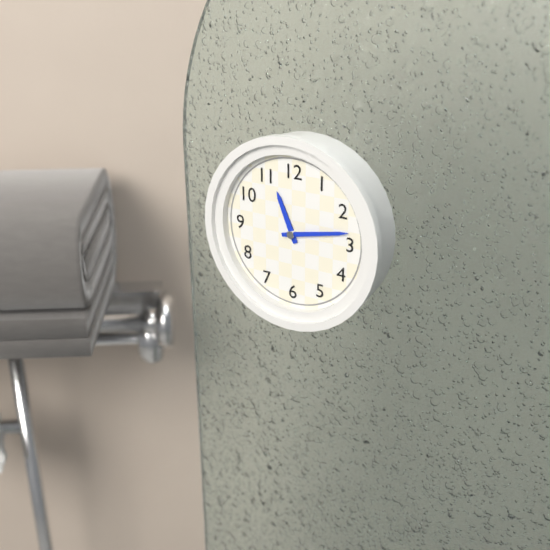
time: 11:13
